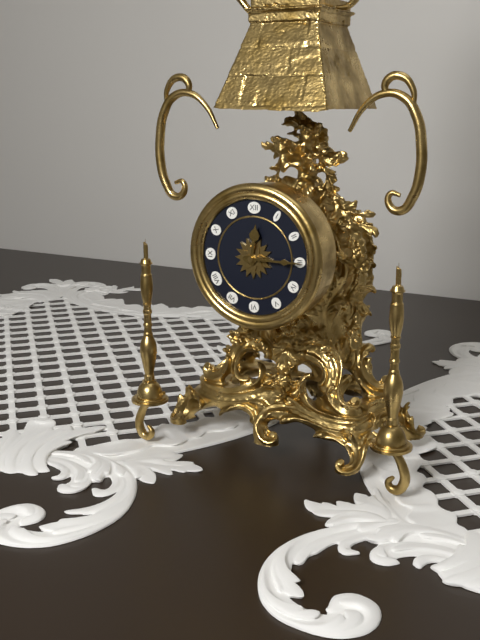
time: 12:15
